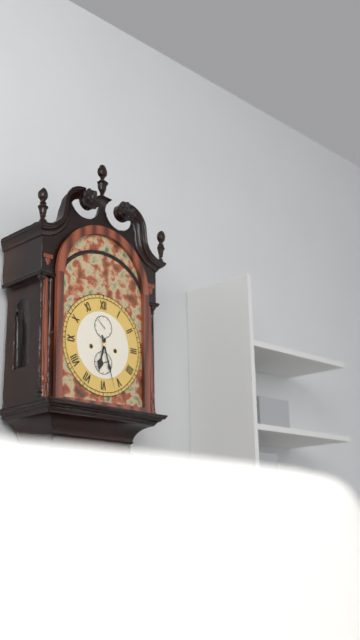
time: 6:27
